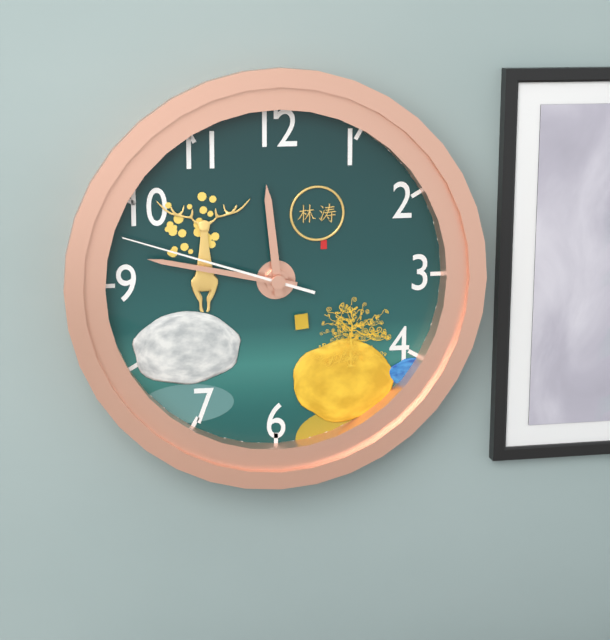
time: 11:47:48
